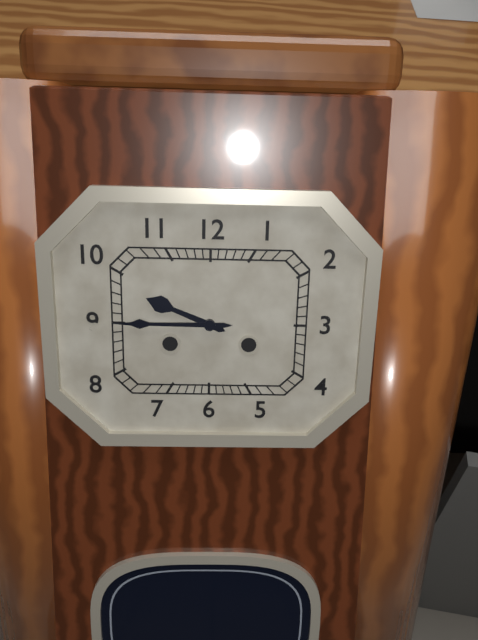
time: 9:45
